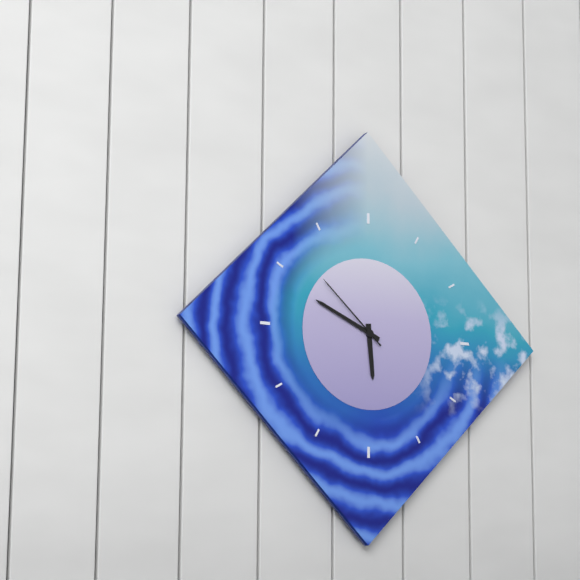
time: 5:49:52
